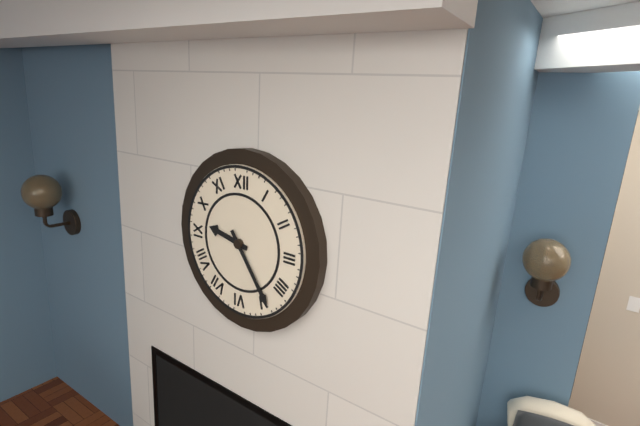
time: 9:24
